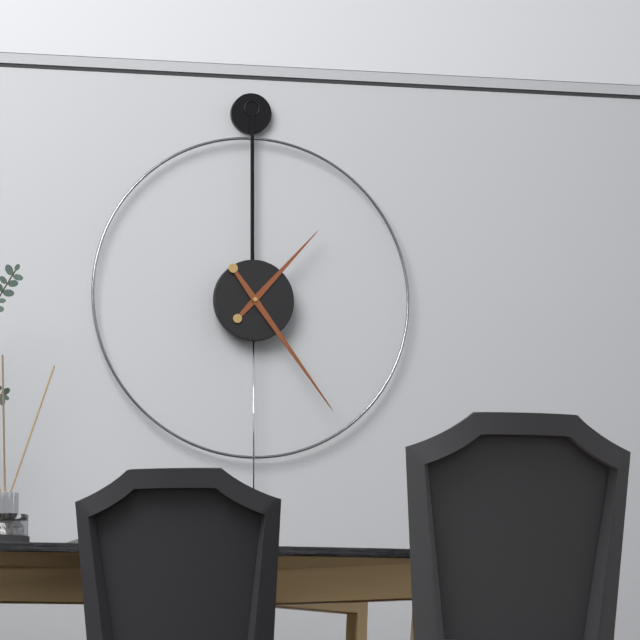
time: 1:24
